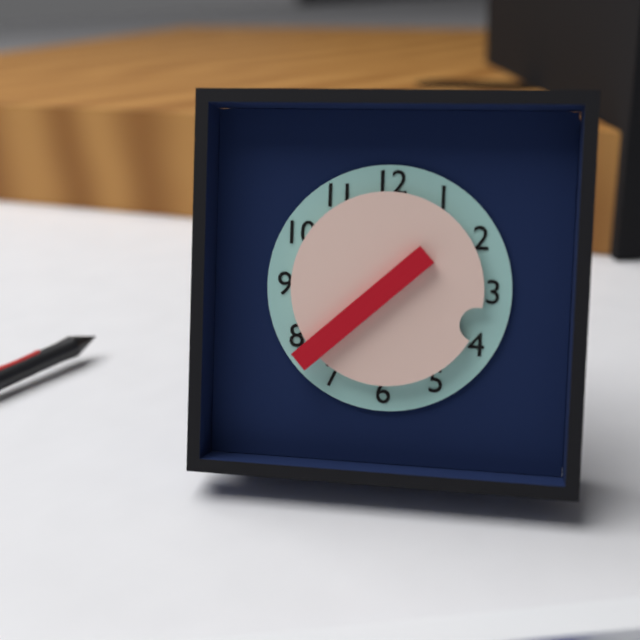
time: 3:38
